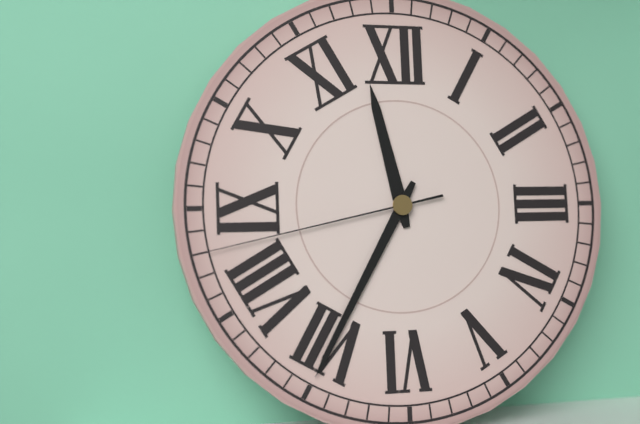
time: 11:35:43
